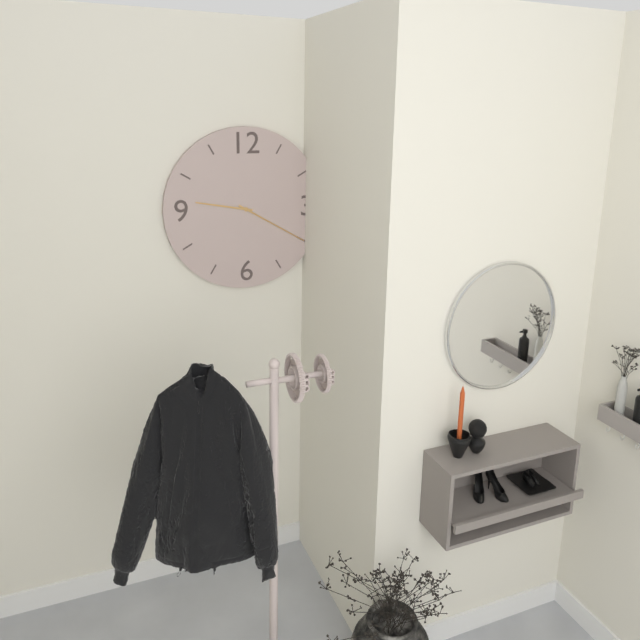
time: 9:20
